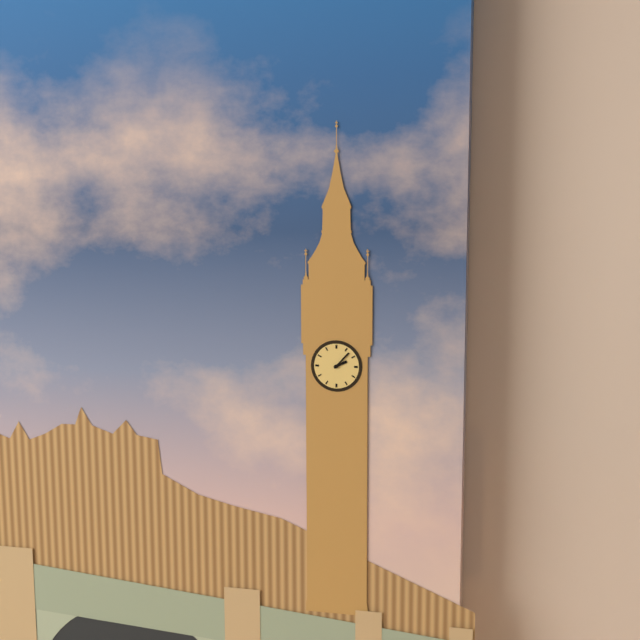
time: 2:07
